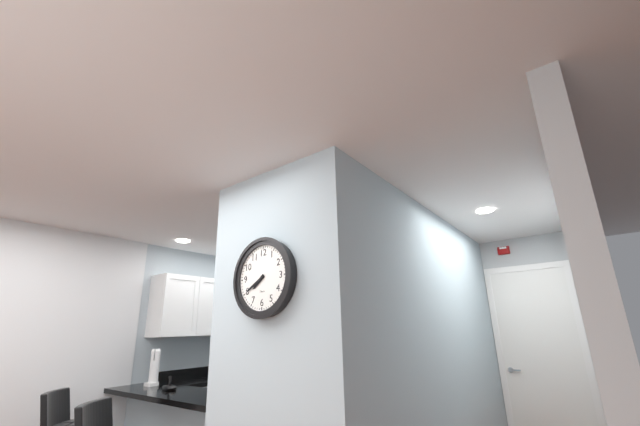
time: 7:40
